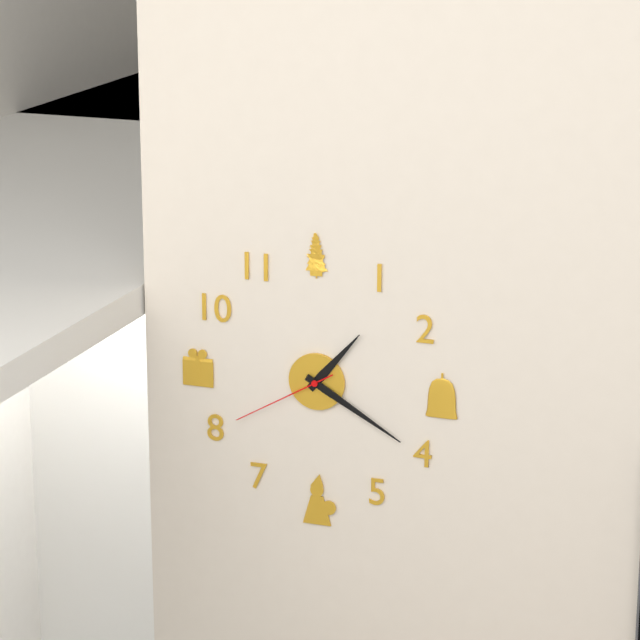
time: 1:20:40
